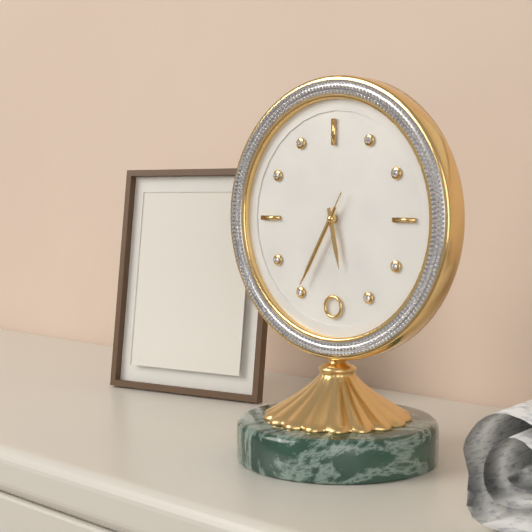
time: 5:35:35
